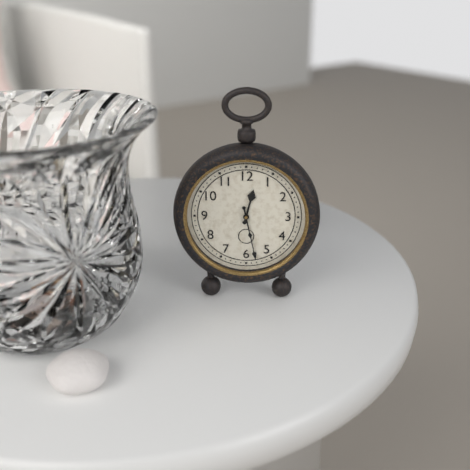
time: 12:28
